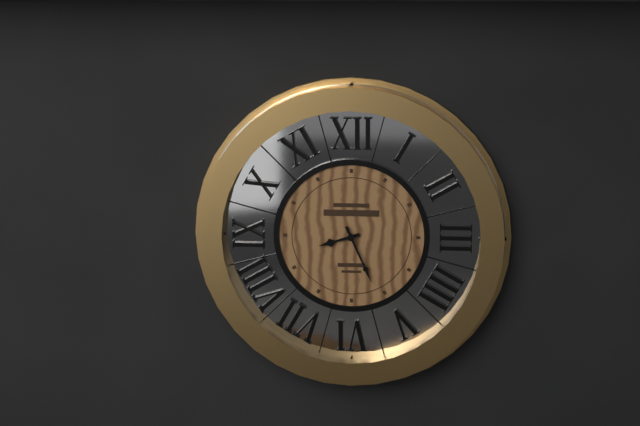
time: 8:26
